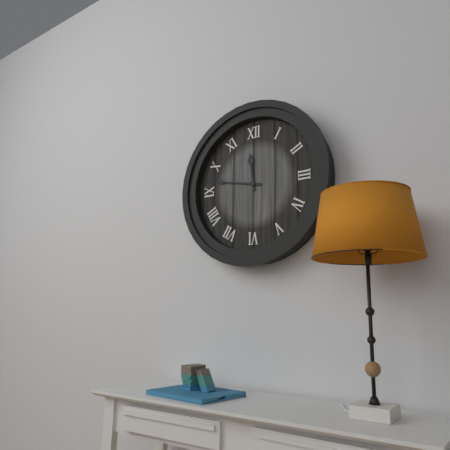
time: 11:47
